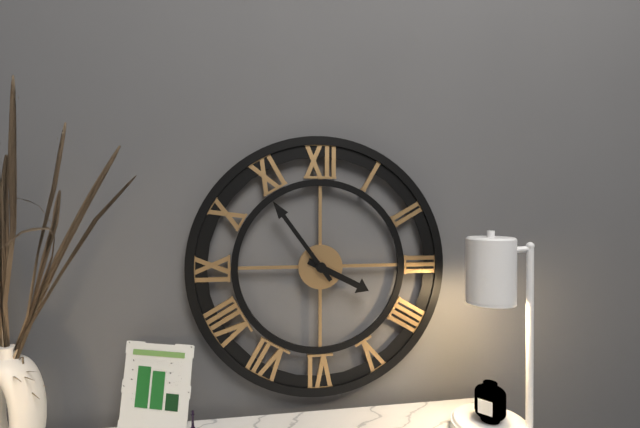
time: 3:54
